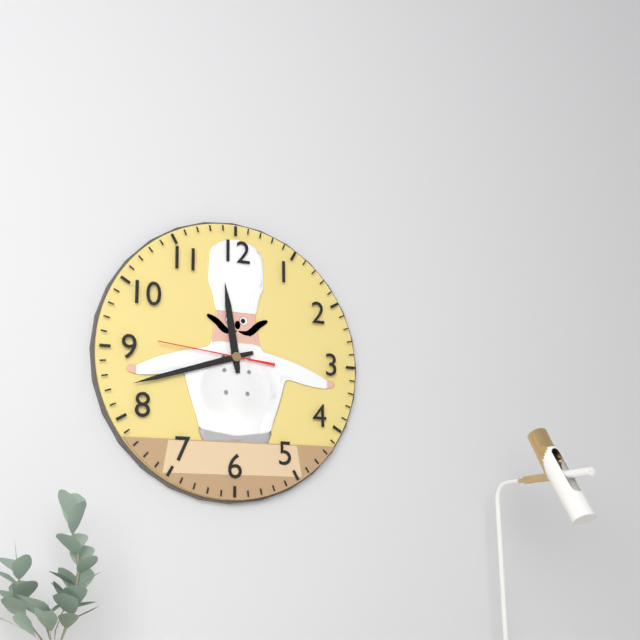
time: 11:42:46
